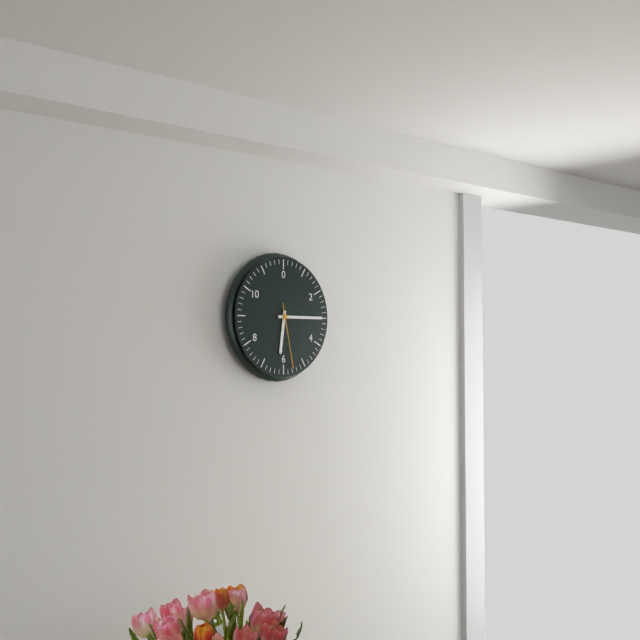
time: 6:15:28
